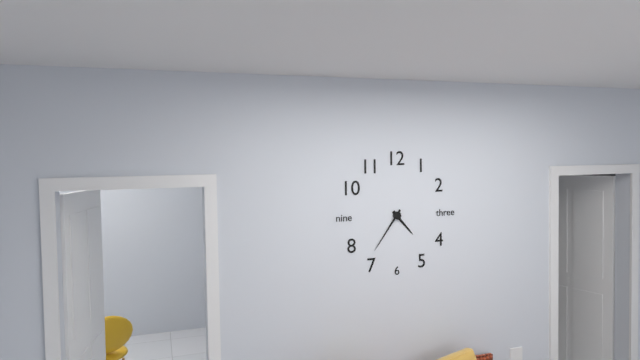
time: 4:36
